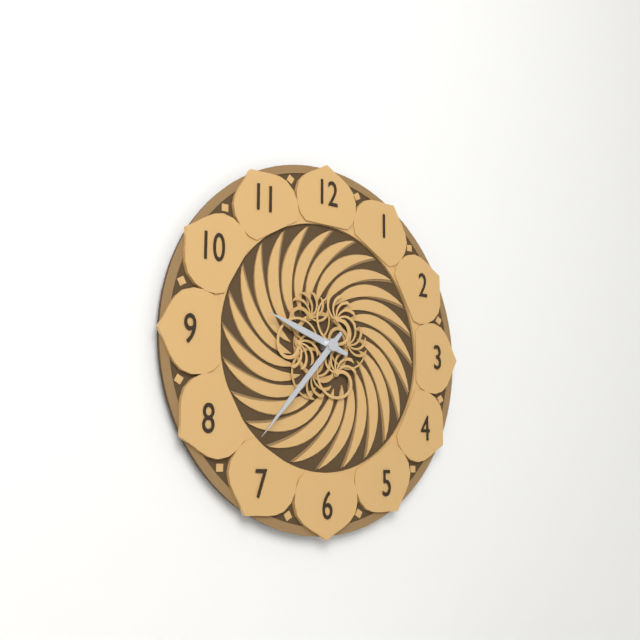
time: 9:37
